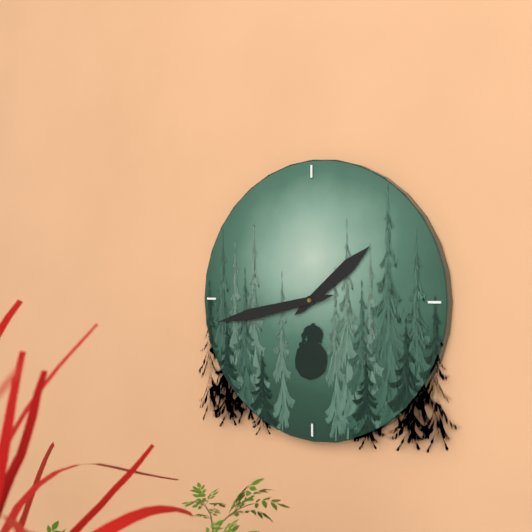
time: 1:43
